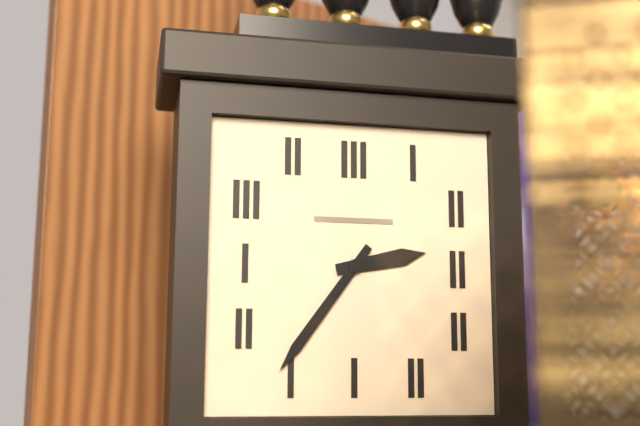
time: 2:36
